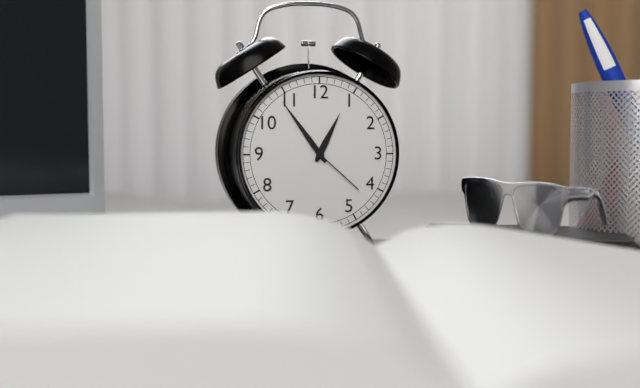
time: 12:54:22
